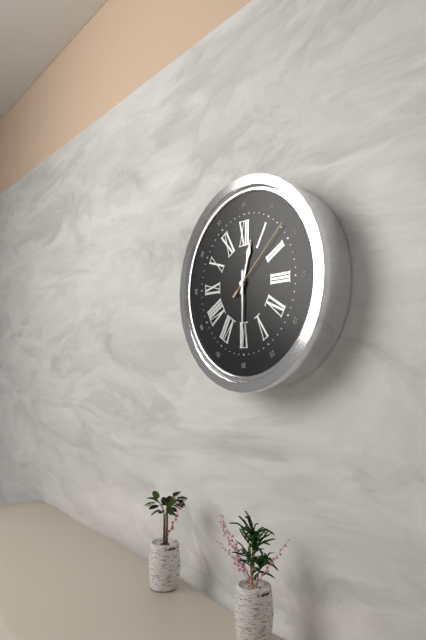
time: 12:30:08
